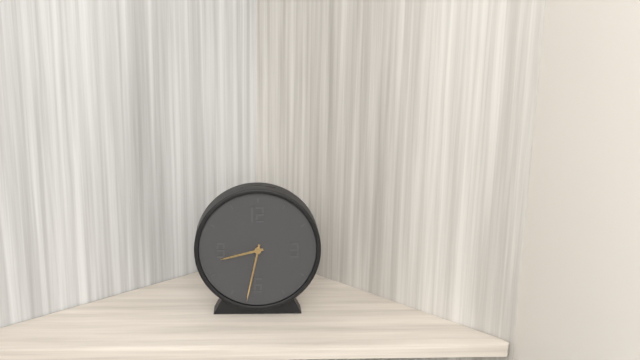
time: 8:32
